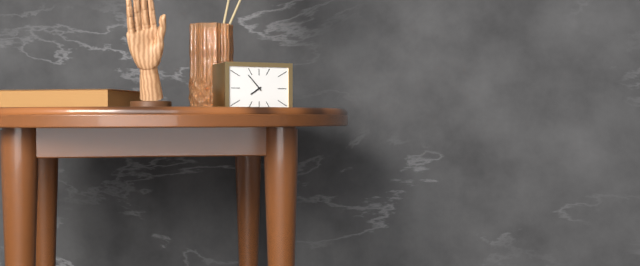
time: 7:53
